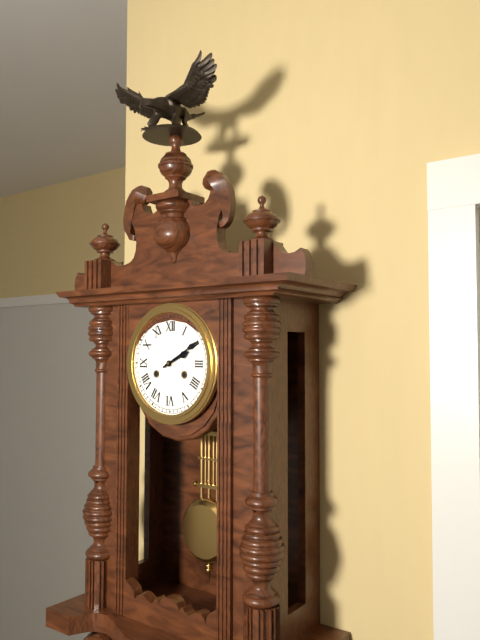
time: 2:10
